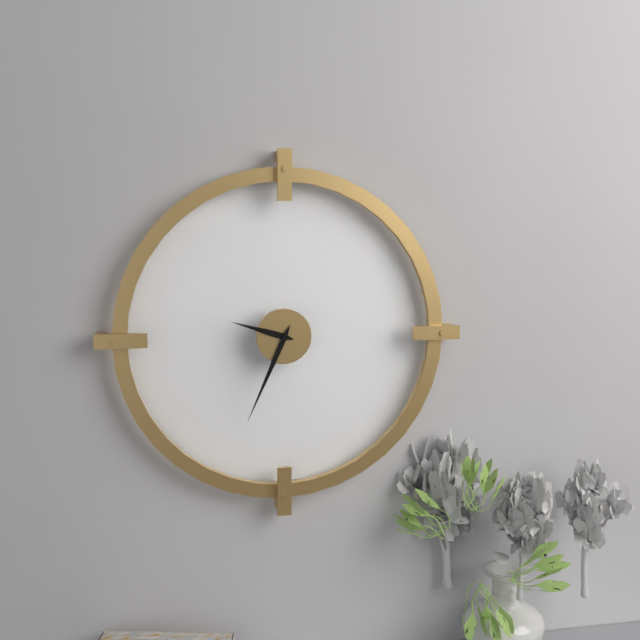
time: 9:34
